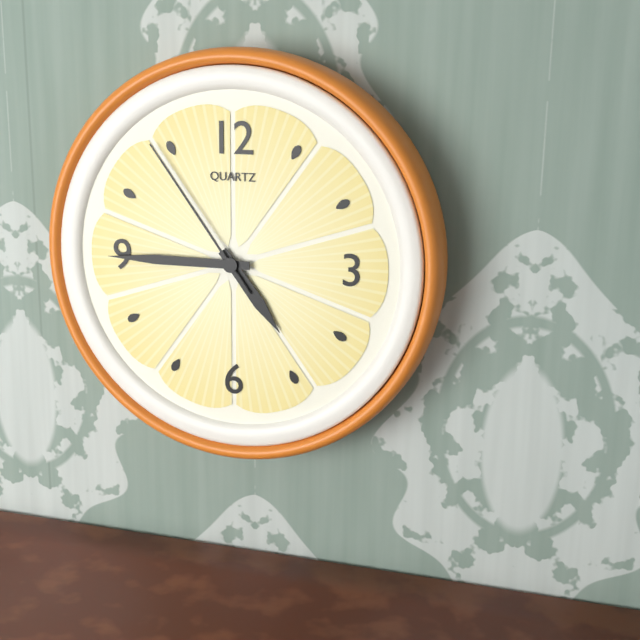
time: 4:45:54
